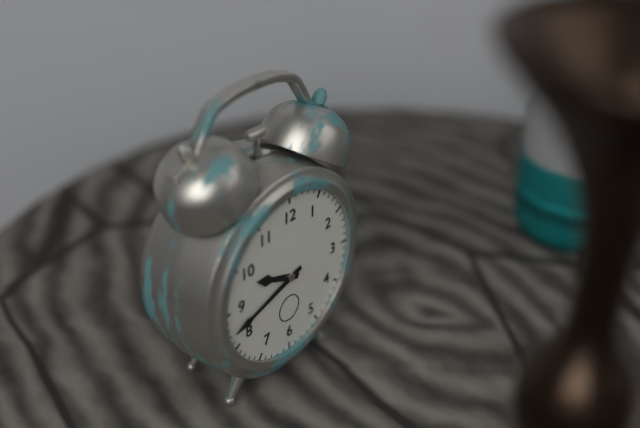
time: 9:42
